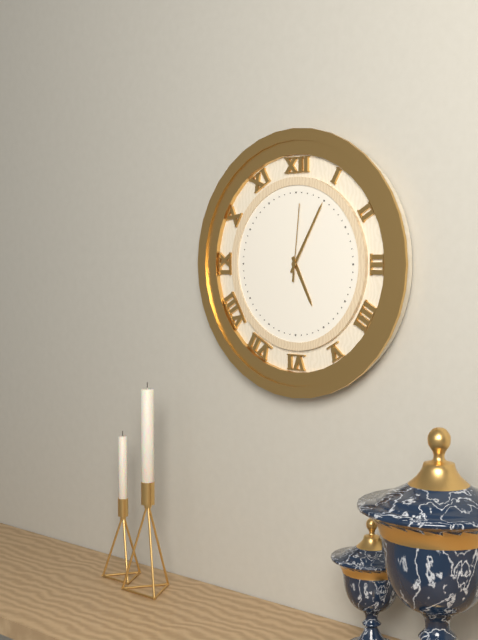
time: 5:05:01
